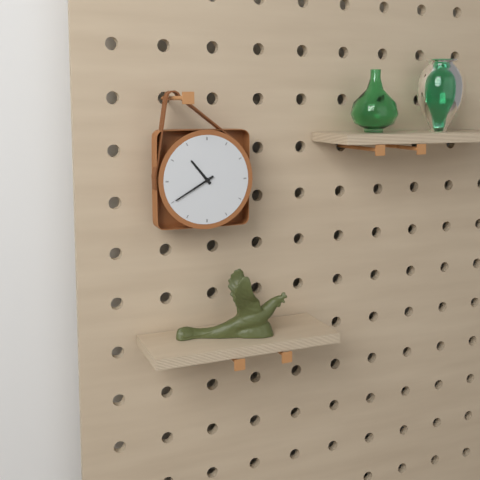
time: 10:40
